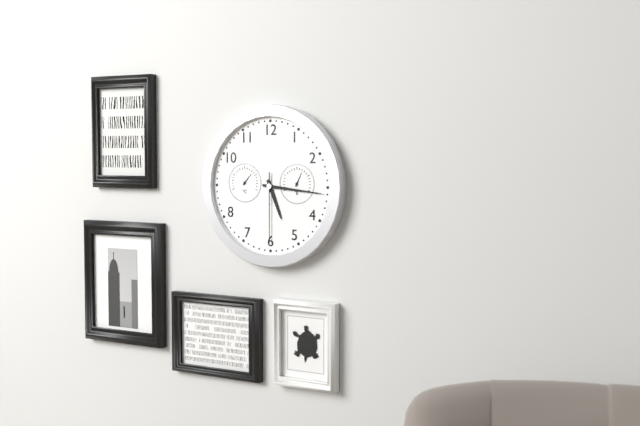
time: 5:16:30
